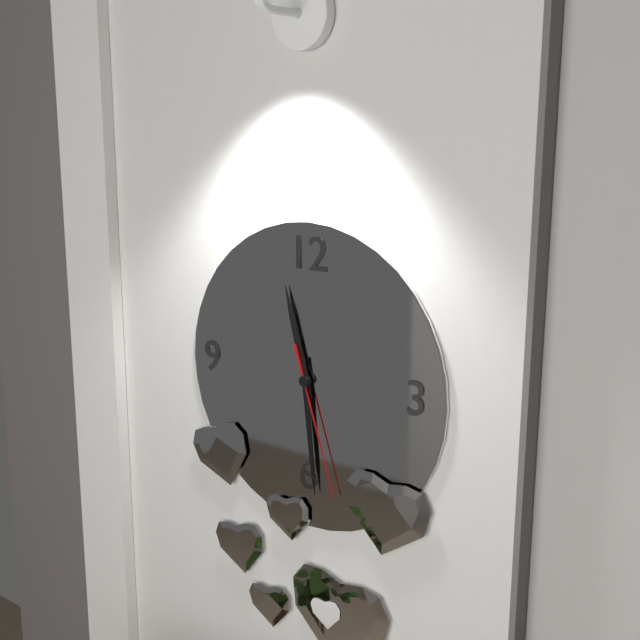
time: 11:29:27
